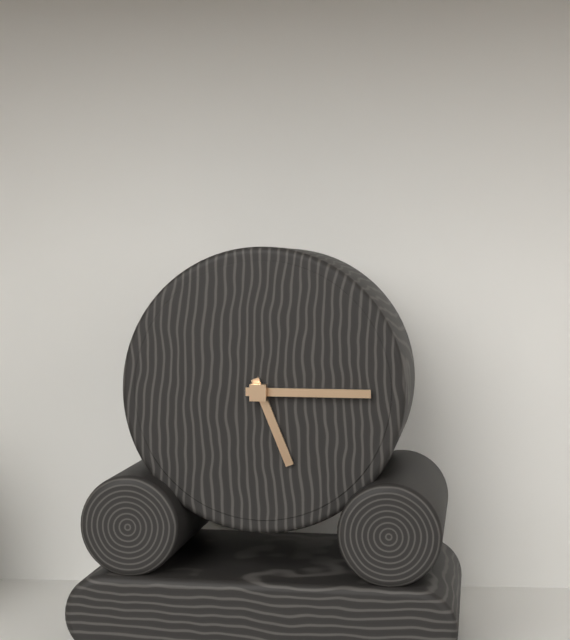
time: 5:15
